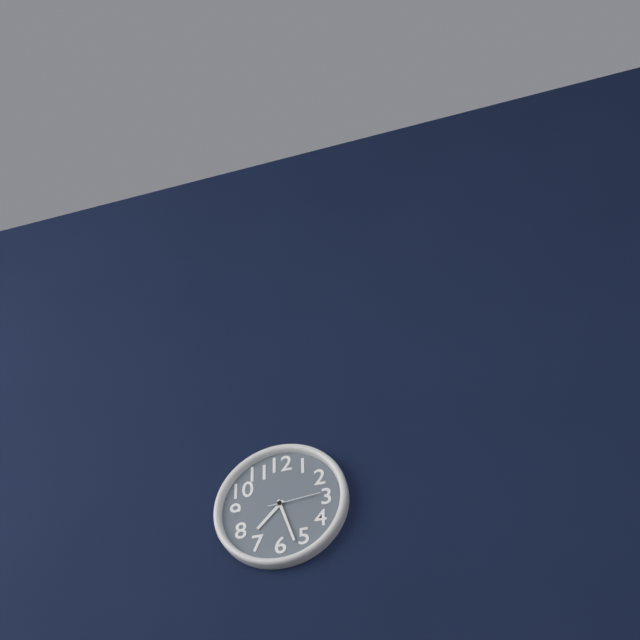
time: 7:27:14
